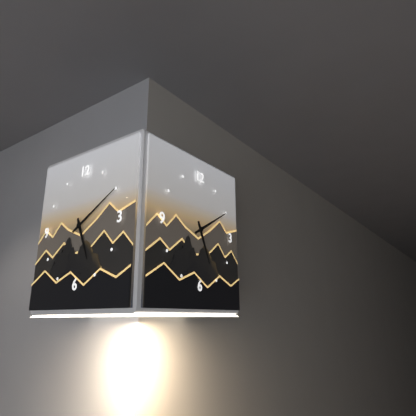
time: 5:10
